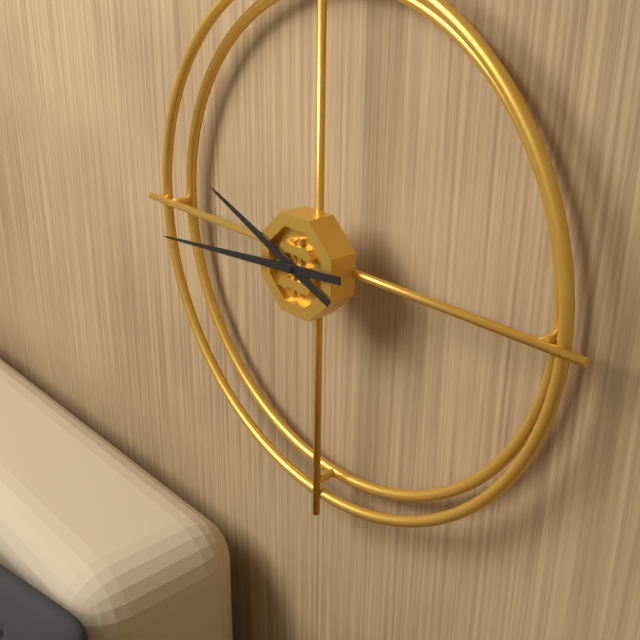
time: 9:44
